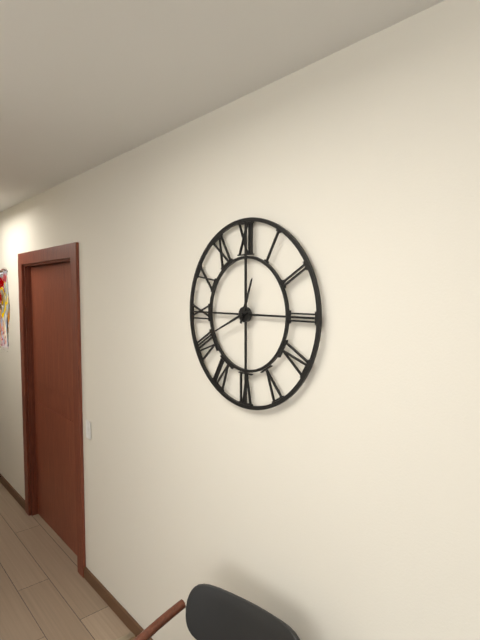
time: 12:41
